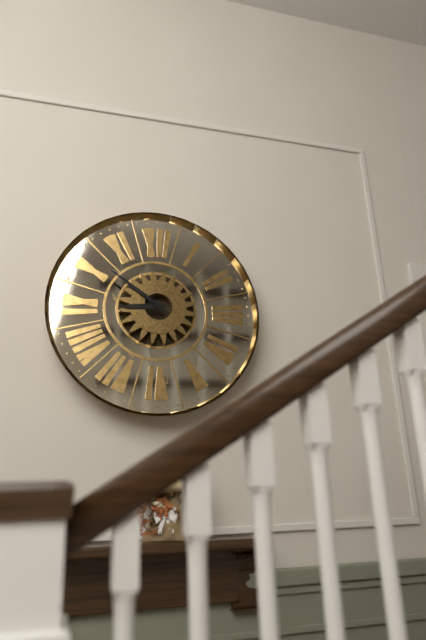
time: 8:51
